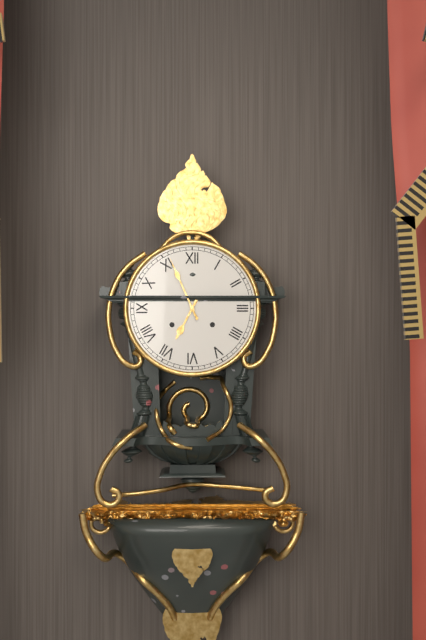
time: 6:56
